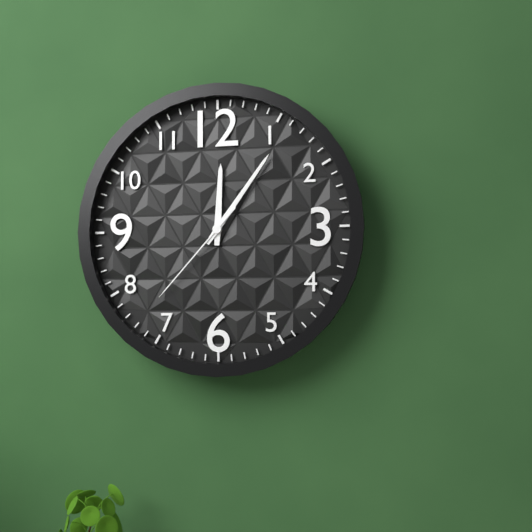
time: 12:06:37
